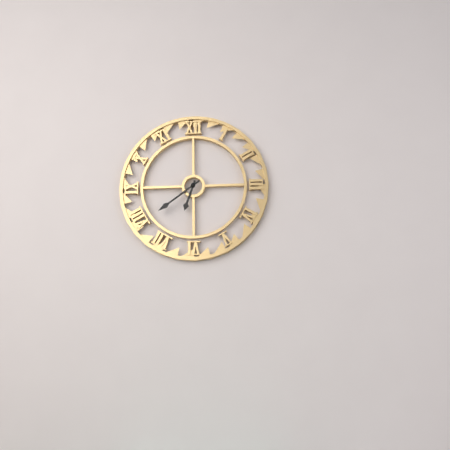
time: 6:39
